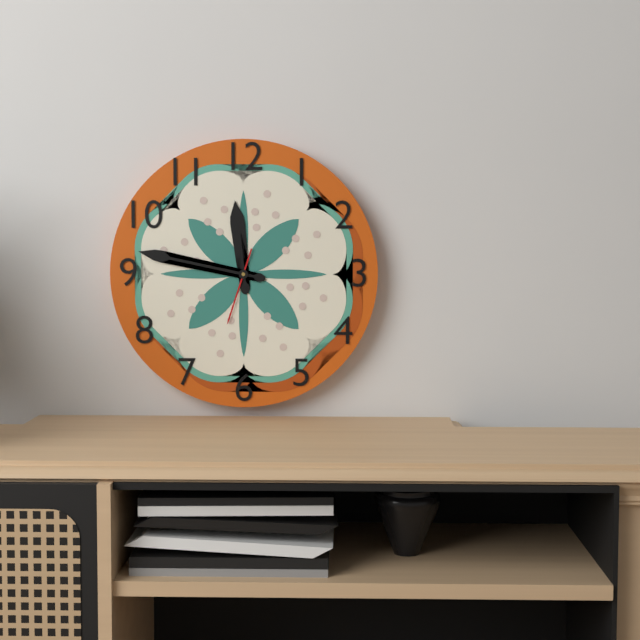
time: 11:47:33
